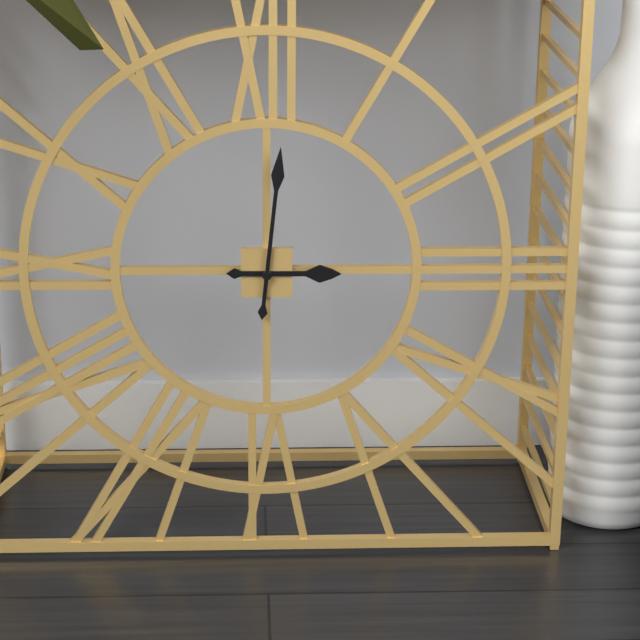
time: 3:01
